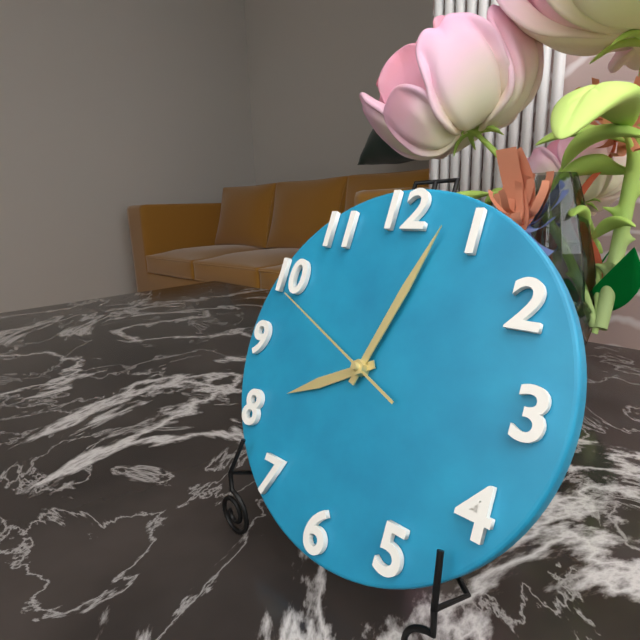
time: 8:03:49
